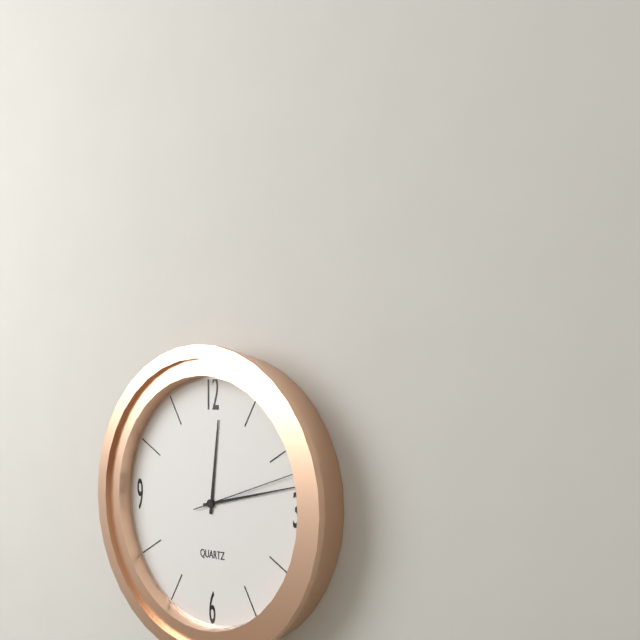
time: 12:13:12
